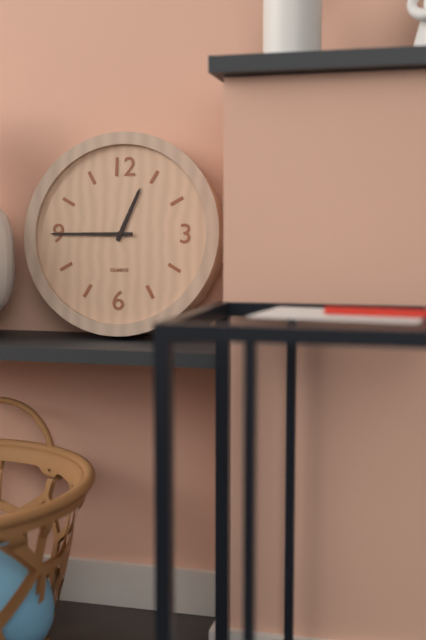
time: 12:45
